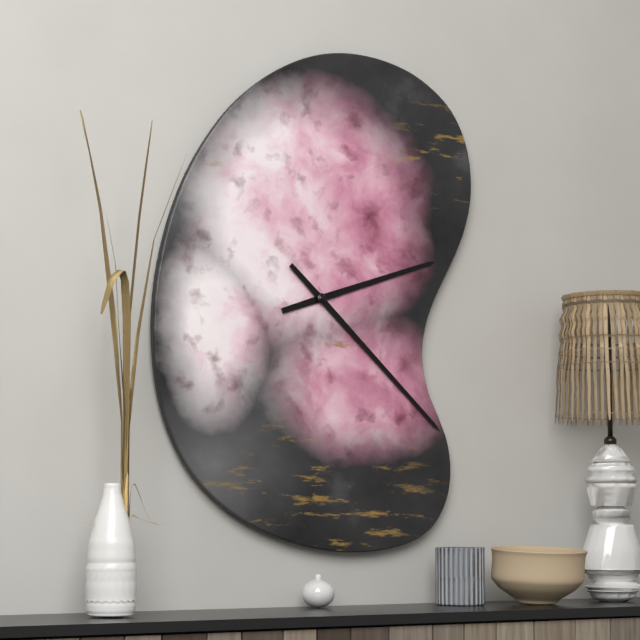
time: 2:22
